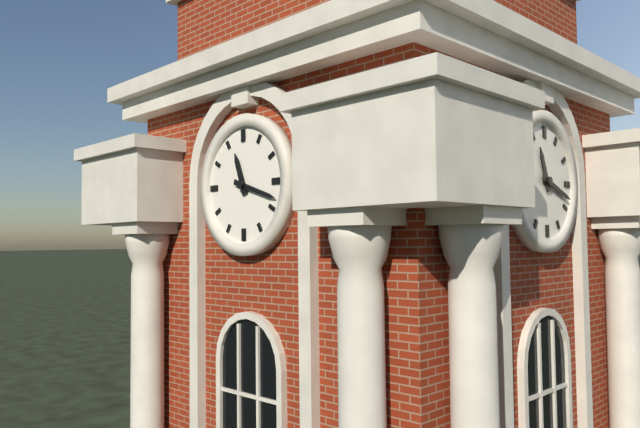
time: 11:18
